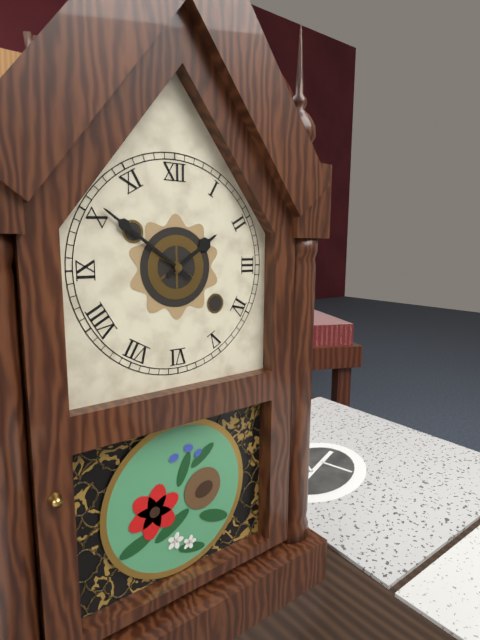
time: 1:51
